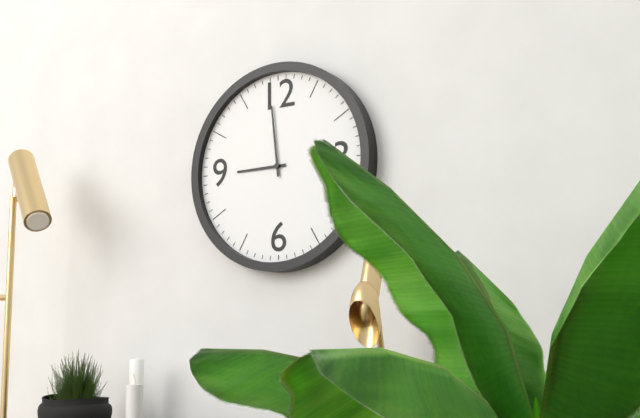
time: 8:59
